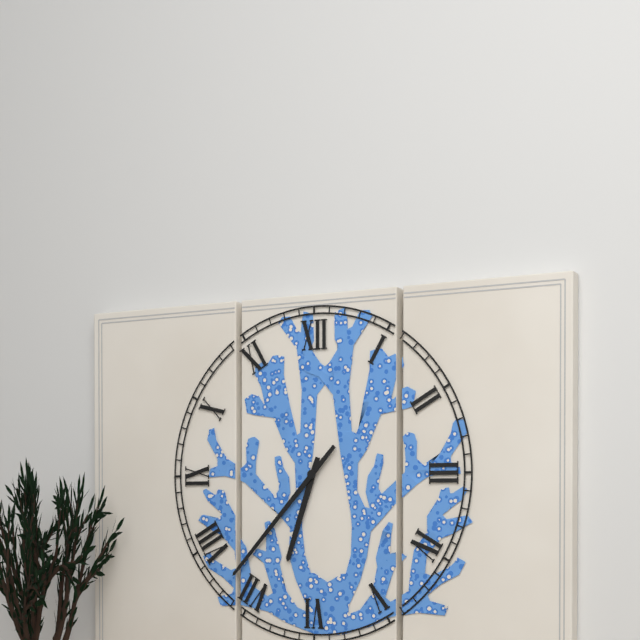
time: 6:37
